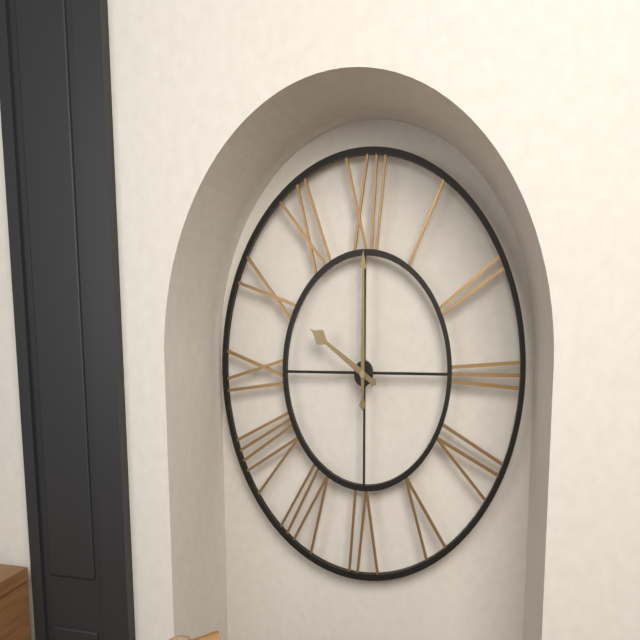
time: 10:00
